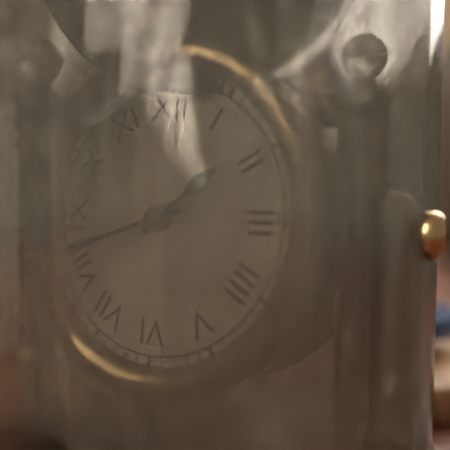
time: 1:42
